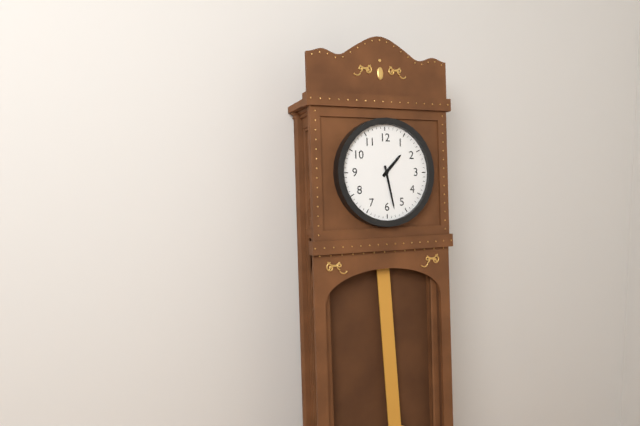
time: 1:28
